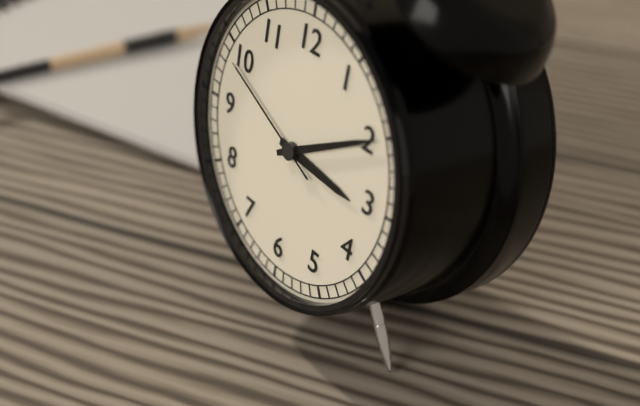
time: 3:10:49
